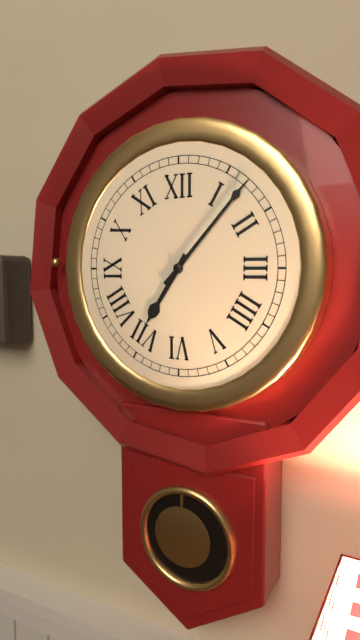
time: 7:07
